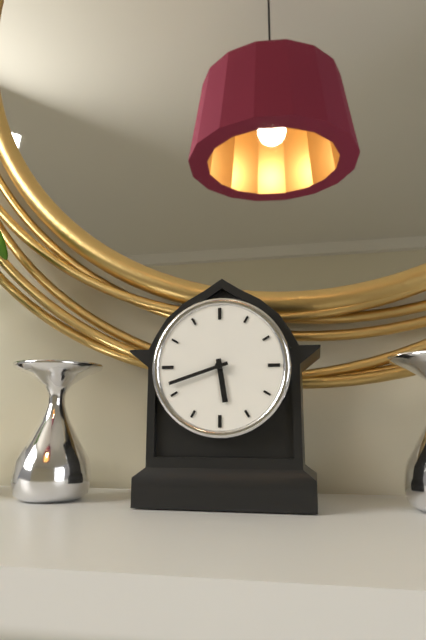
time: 5:42
